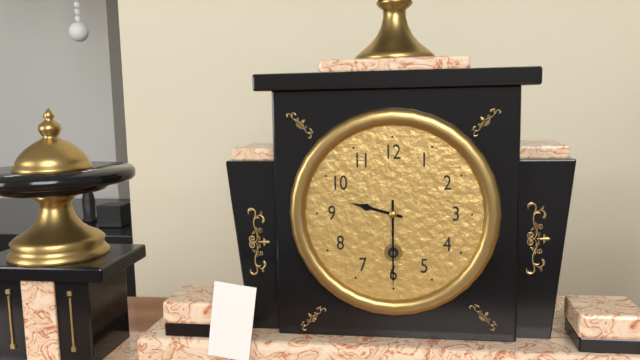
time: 9:30
